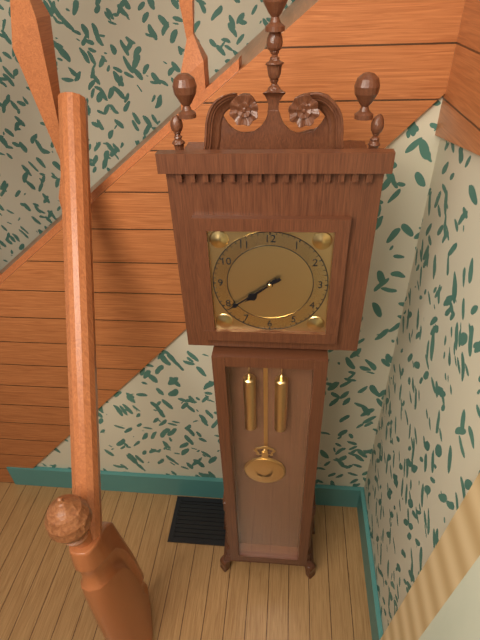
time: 7:39
